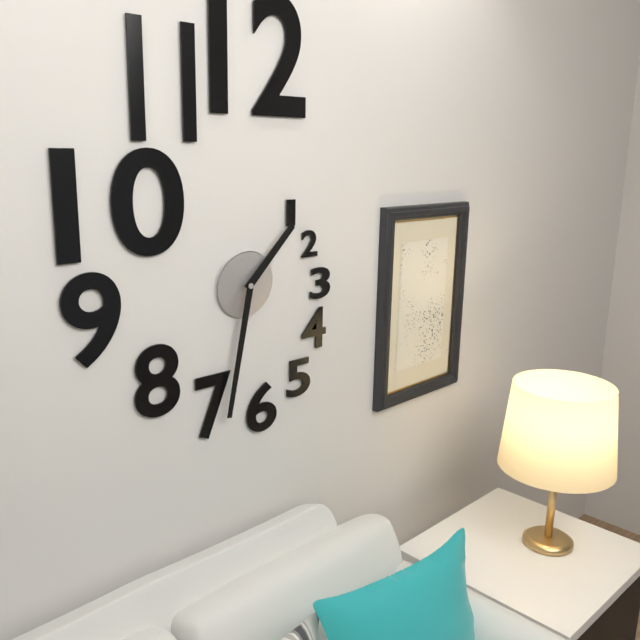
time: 1:32
